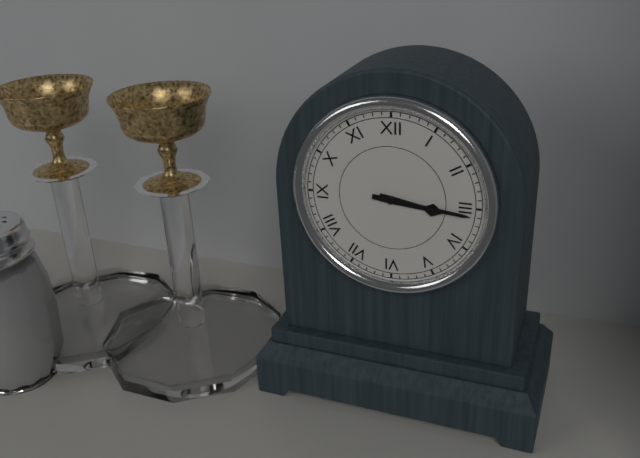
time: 3:16
